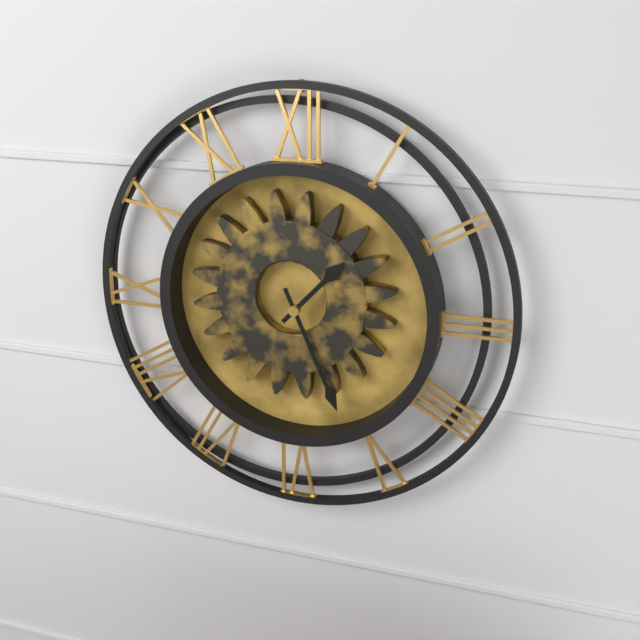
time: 1:26
